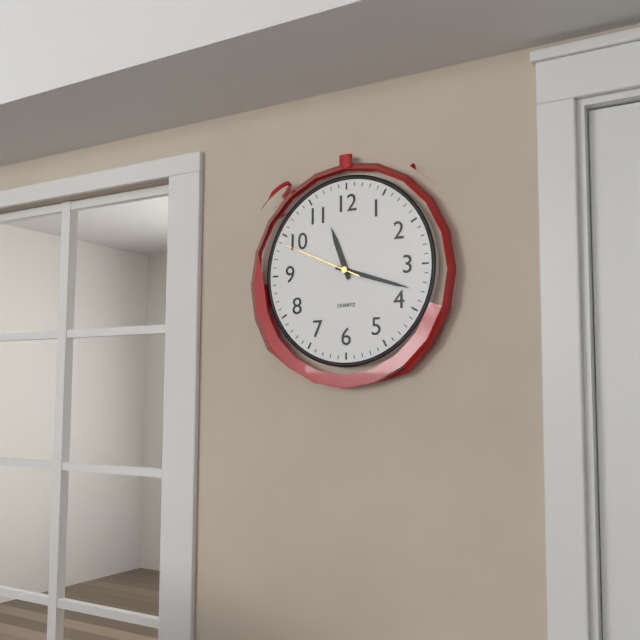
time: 11:18:49
